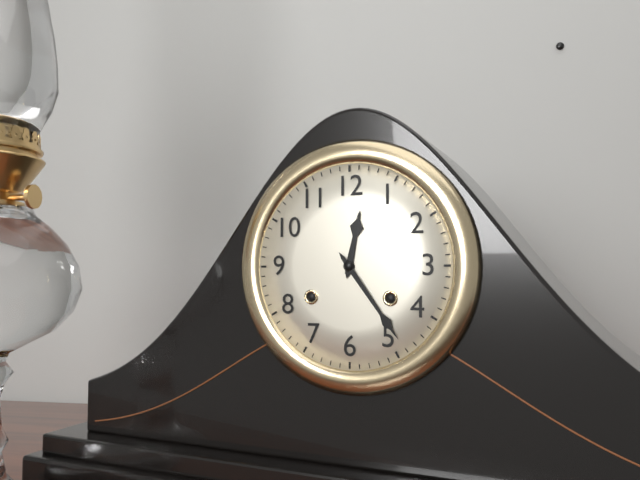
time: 12:24
